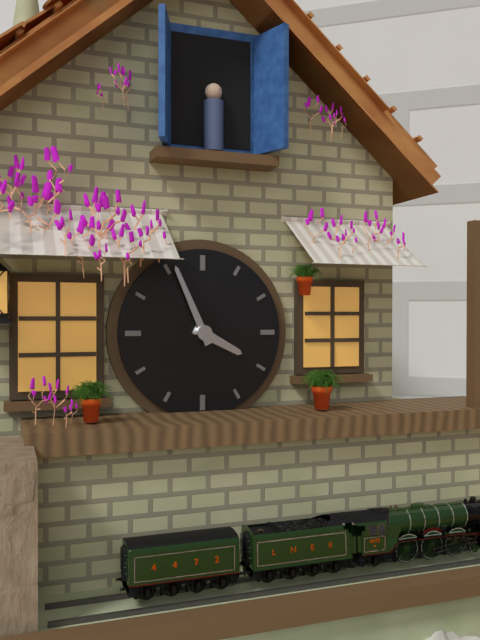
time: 3:56
